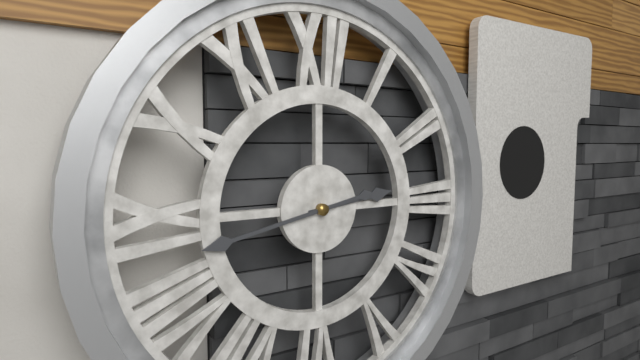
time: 2:43
